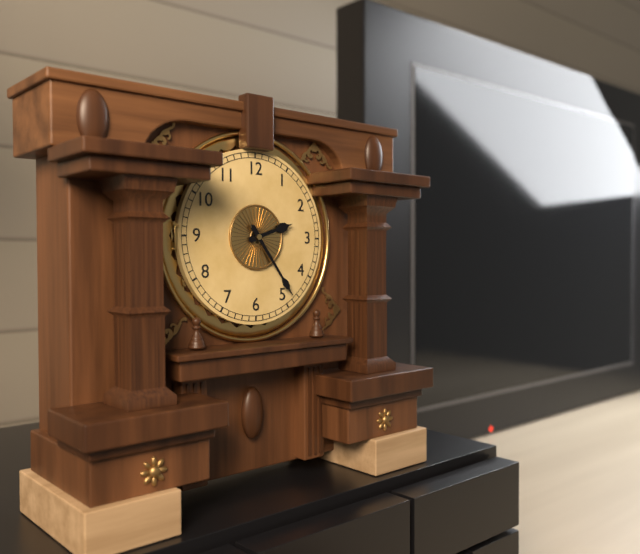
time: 2:24
